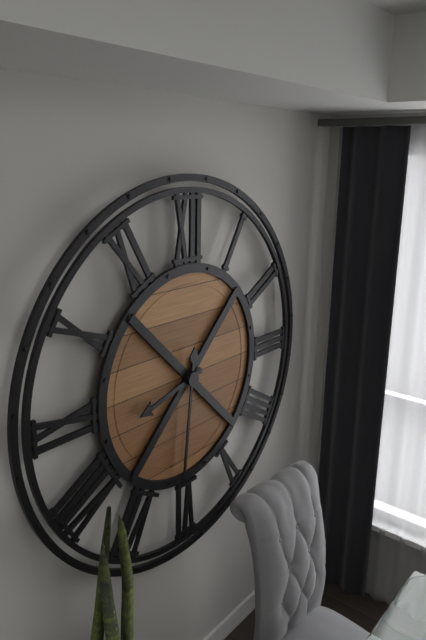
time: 8:31
